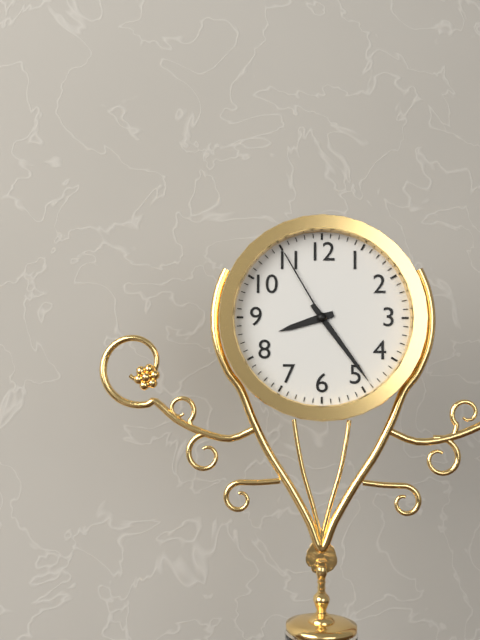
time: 8:24:55
